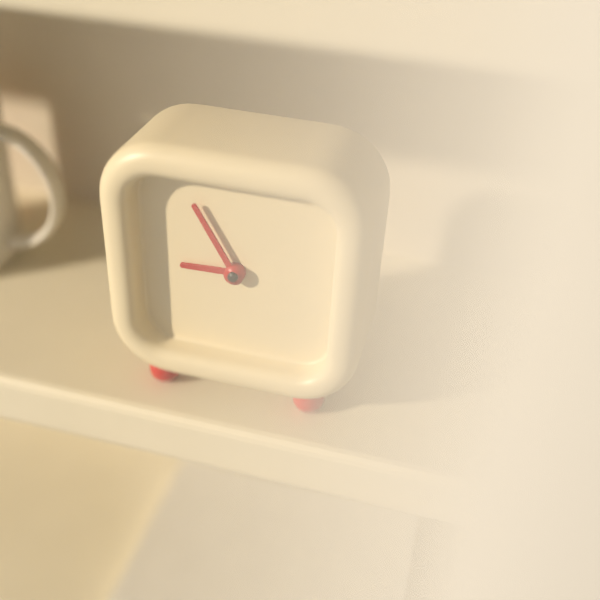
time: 8:55
